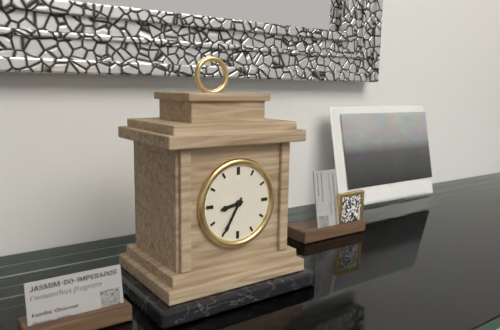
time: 8:35
